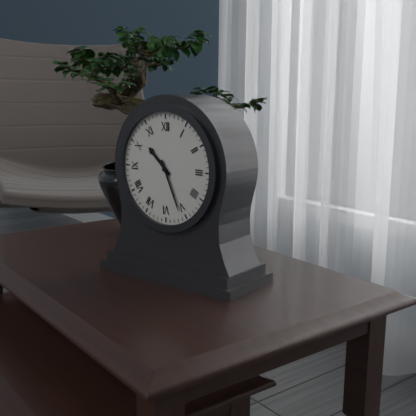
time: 10:26
